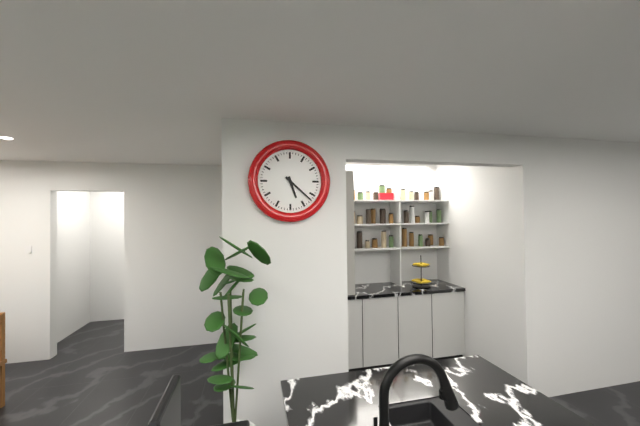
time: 5:22
